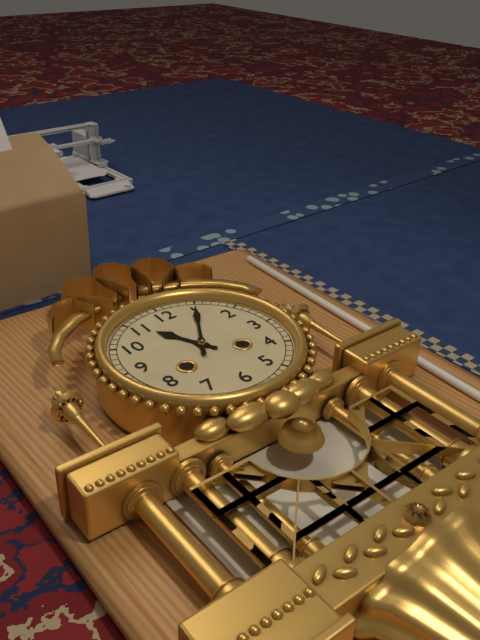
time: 11:05
